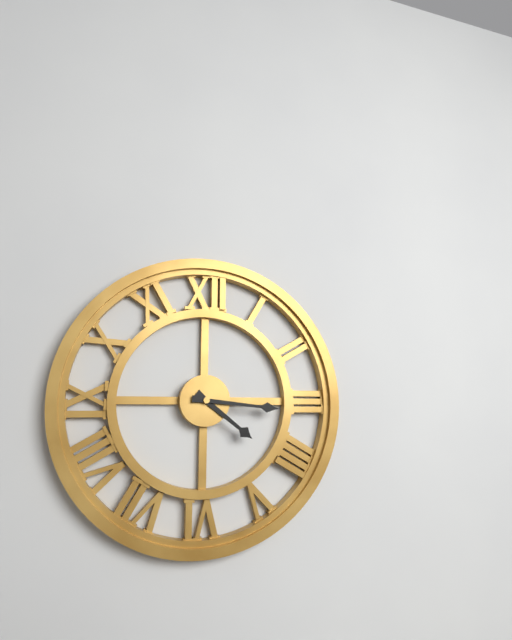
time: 4:16
